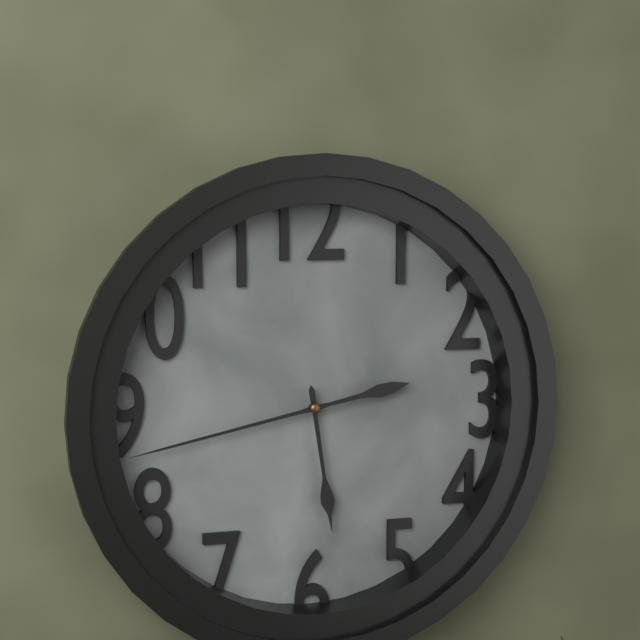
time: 5:43
